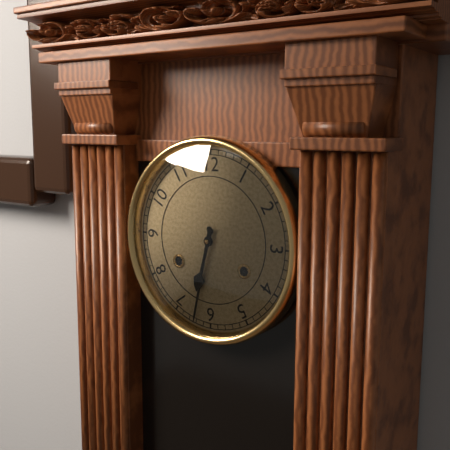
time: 6:32
